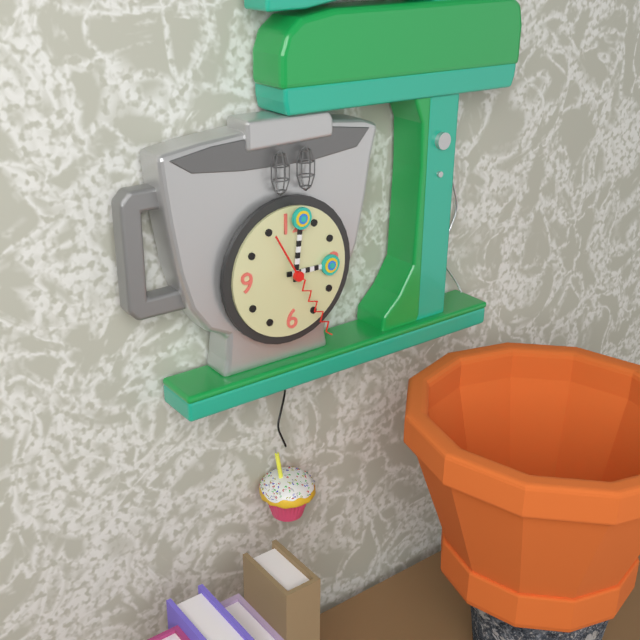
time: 3:01:25
